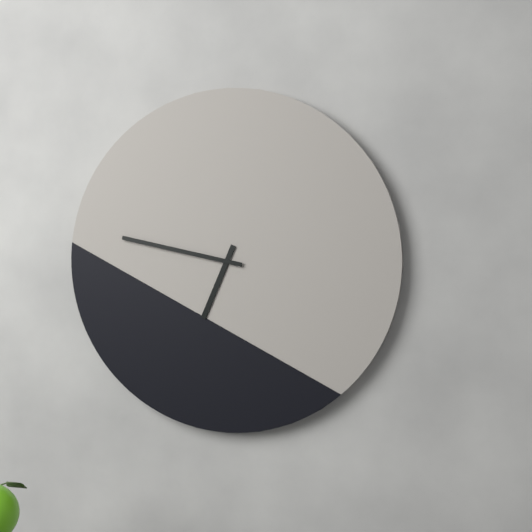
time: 6:47
